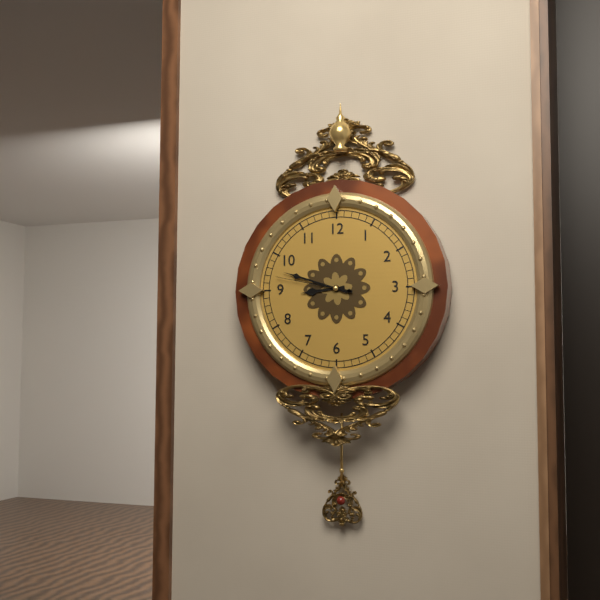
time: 8:48:47
